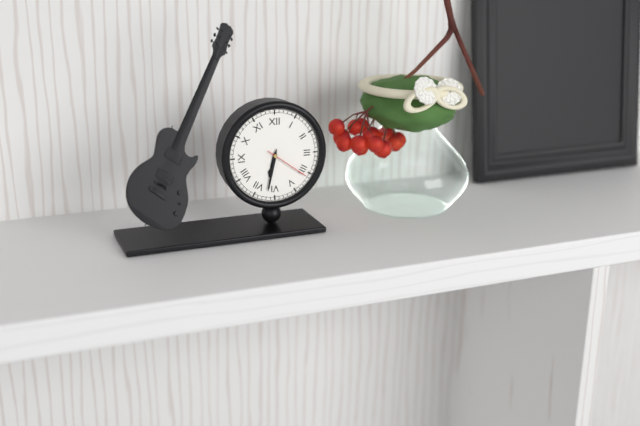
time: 6:32
